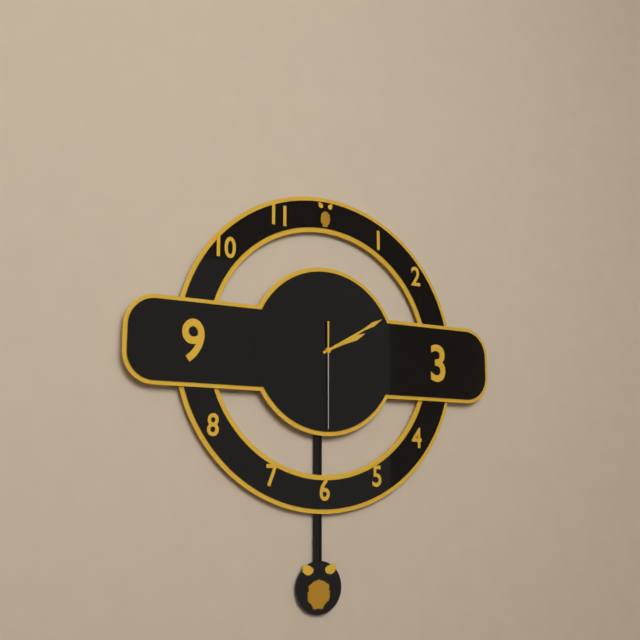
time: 2:10:30
